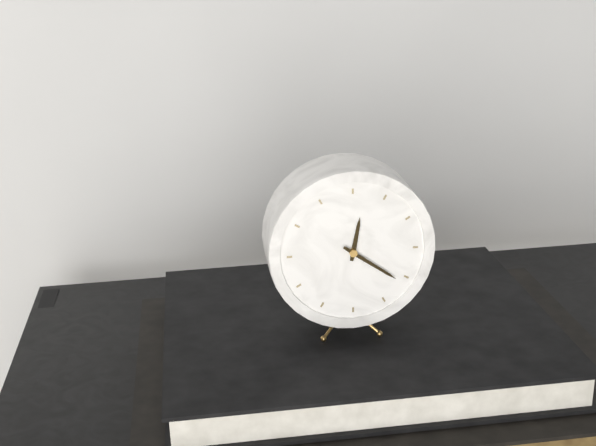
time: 12:21
